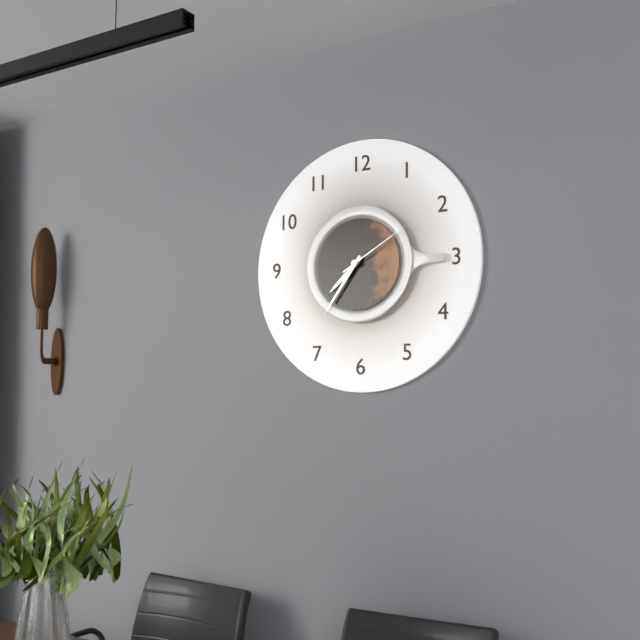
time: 7:36:10
